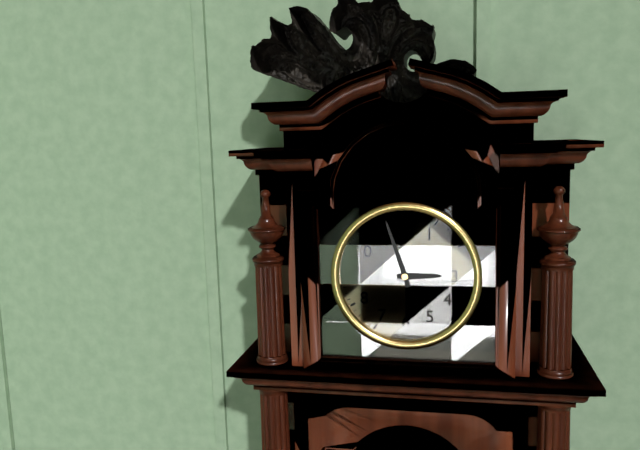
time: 2:57
